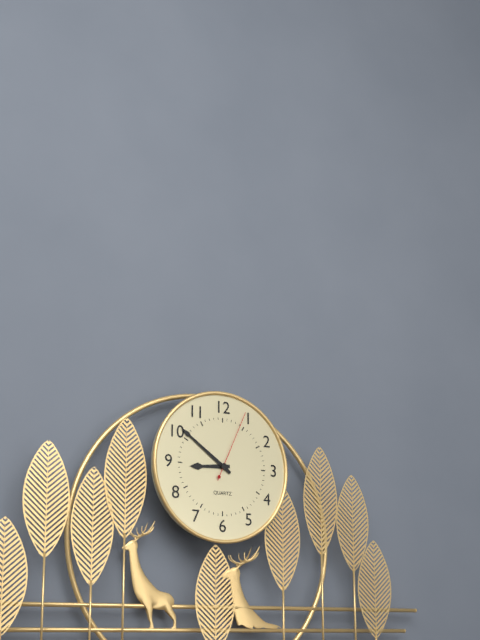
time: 8:51:04
